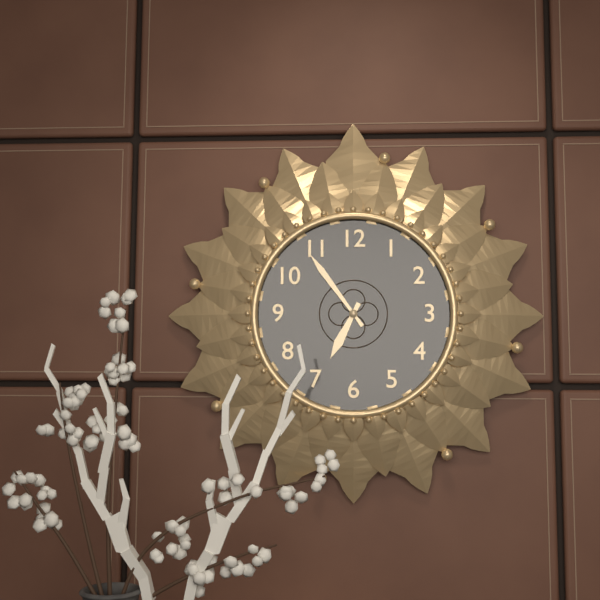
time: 6:54
